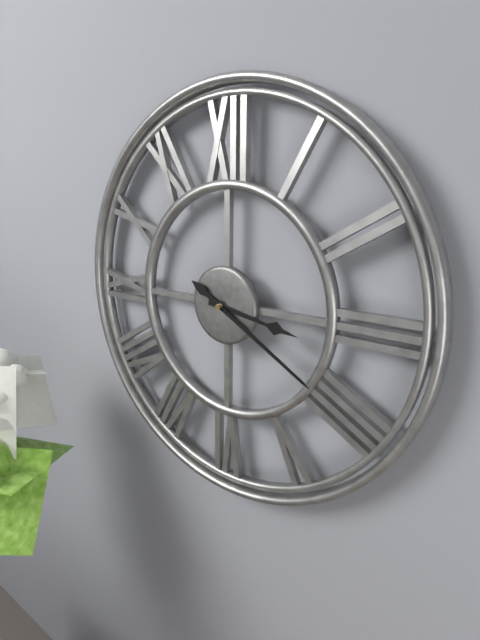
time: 3:20
